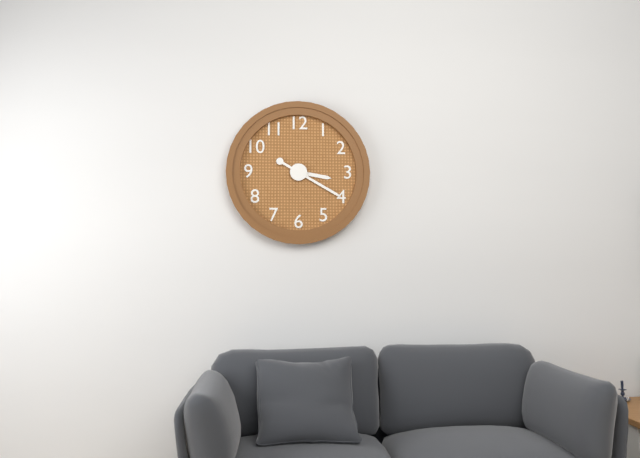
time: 3:20
